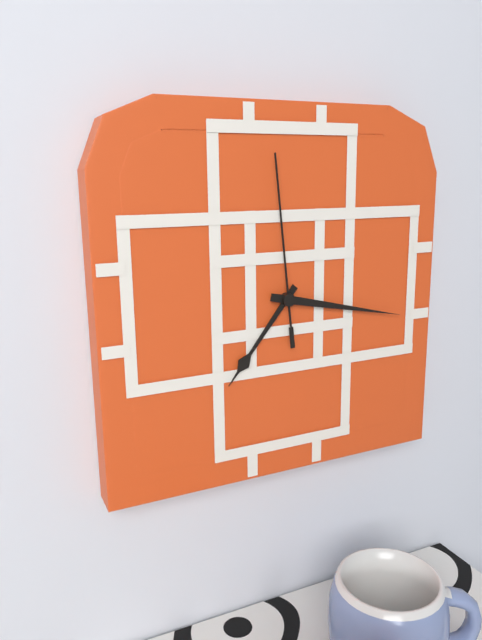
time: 7:17:59
